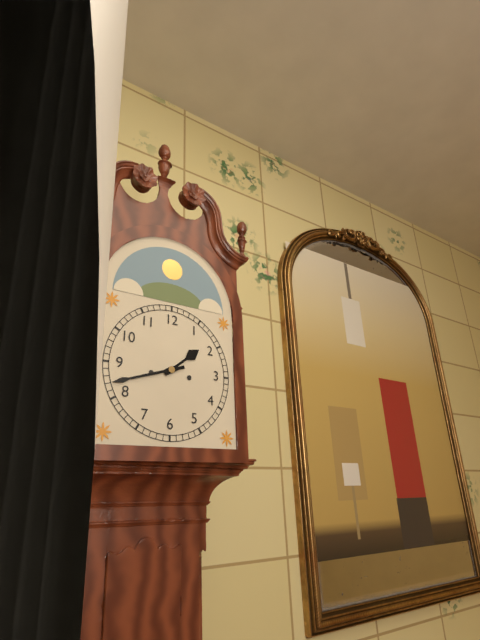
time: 1:42
